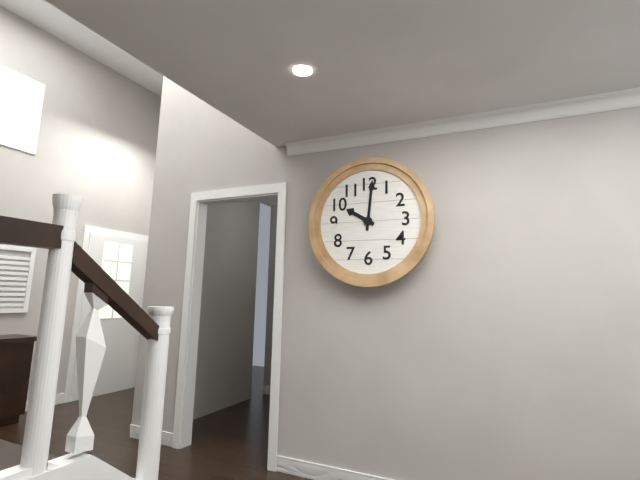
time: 10:01
